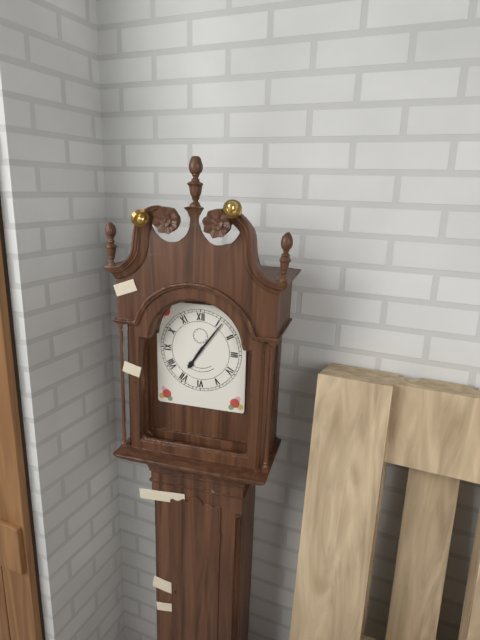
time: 7:06
